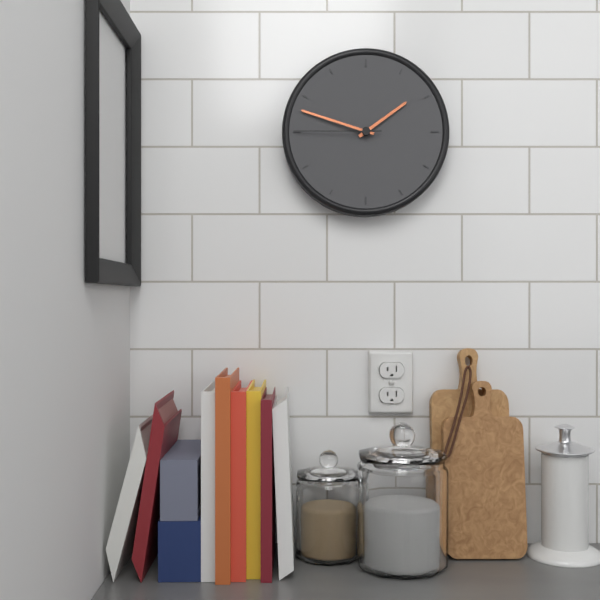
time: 1:48:45
